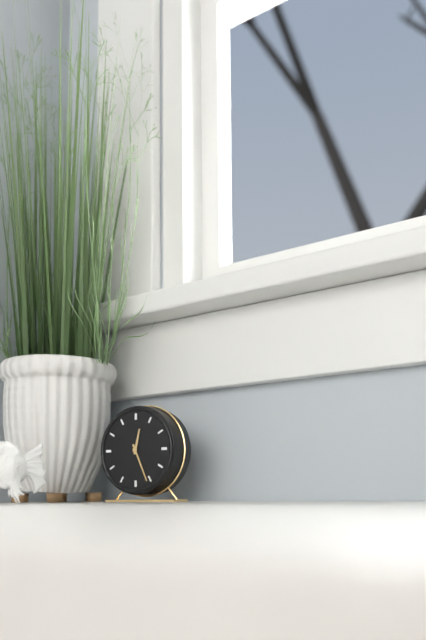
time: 12:26
